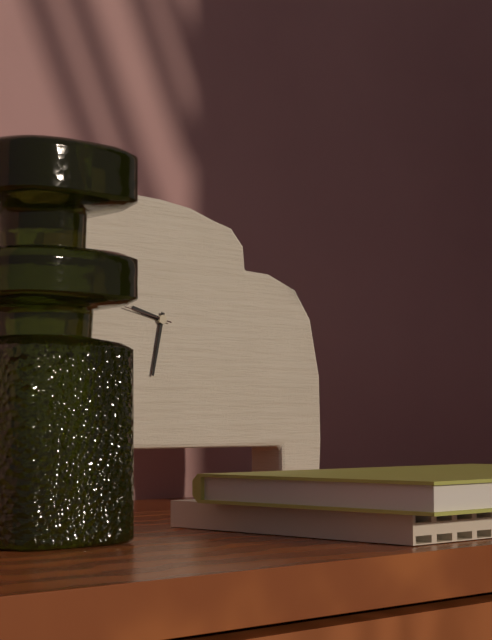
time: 9:32
